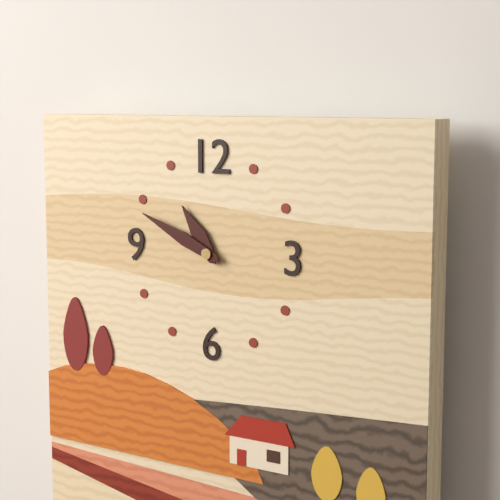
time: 10:49
